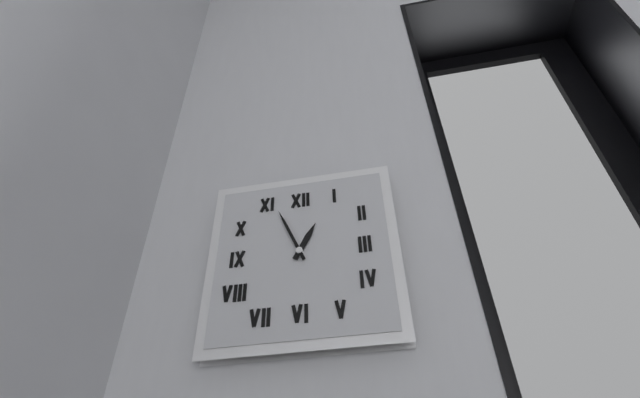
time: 12:56
